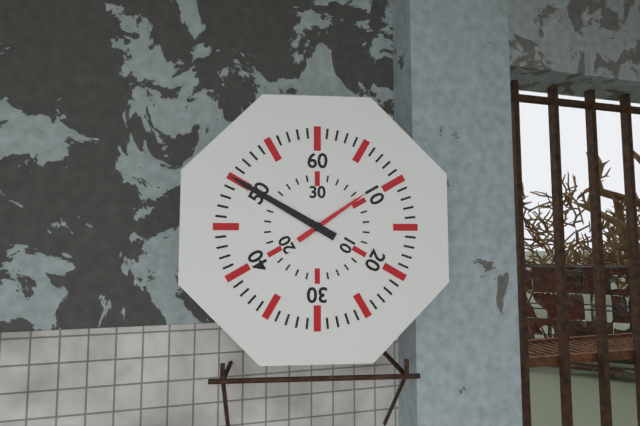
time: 1:50
